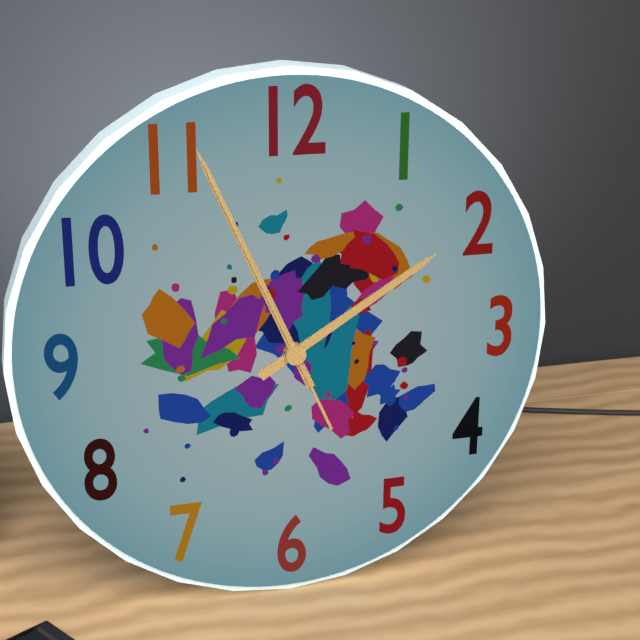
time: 1:56:56
